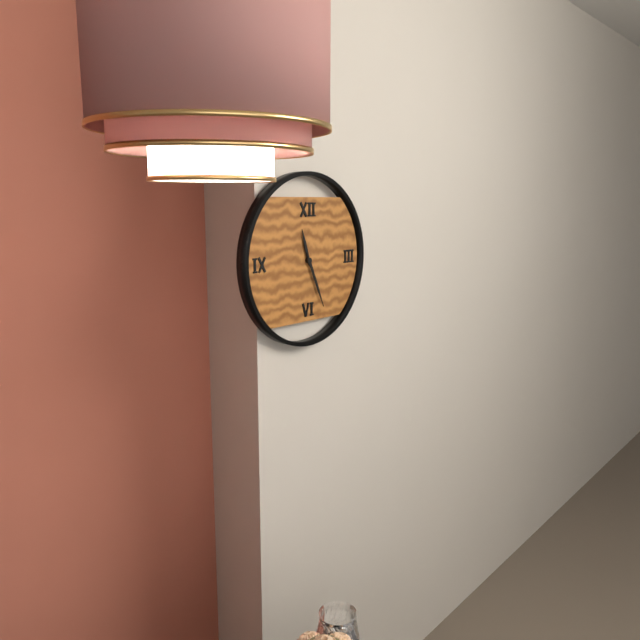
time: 11:26
